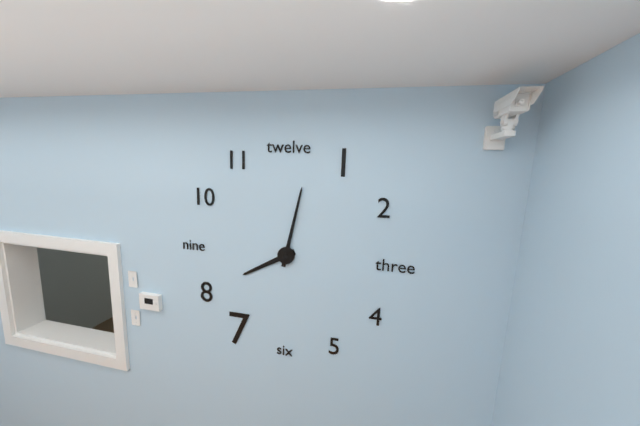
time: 8:02
